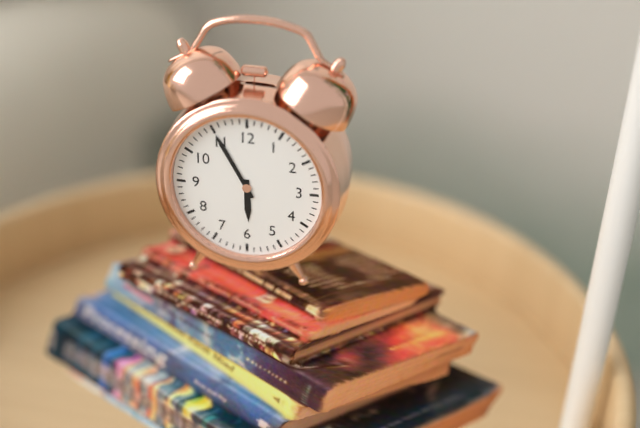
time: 5:55
